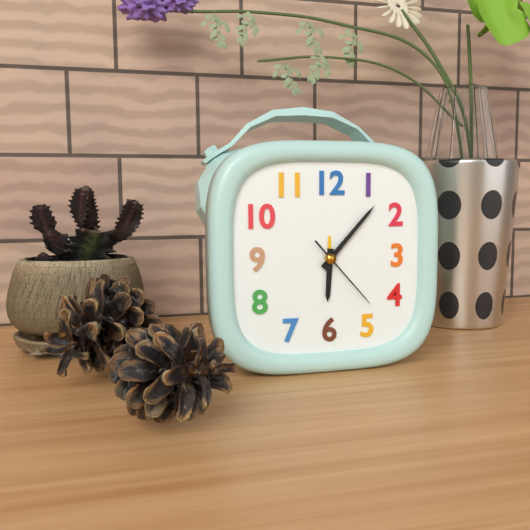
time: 6:07:23
